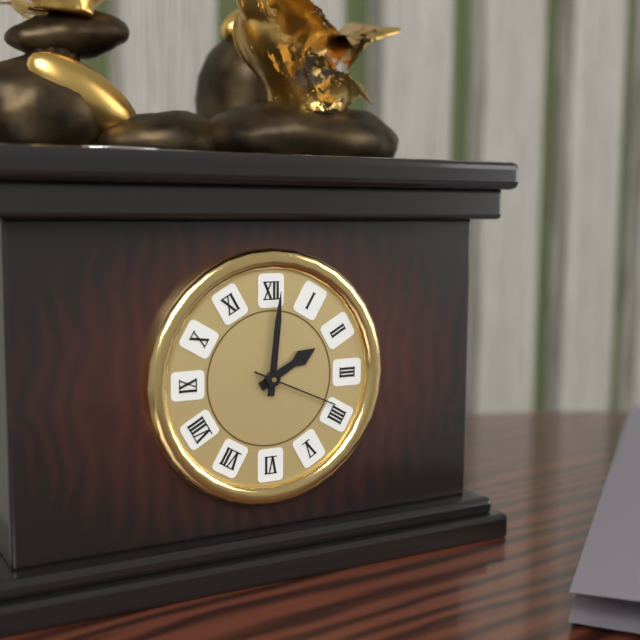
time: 2:01:19
